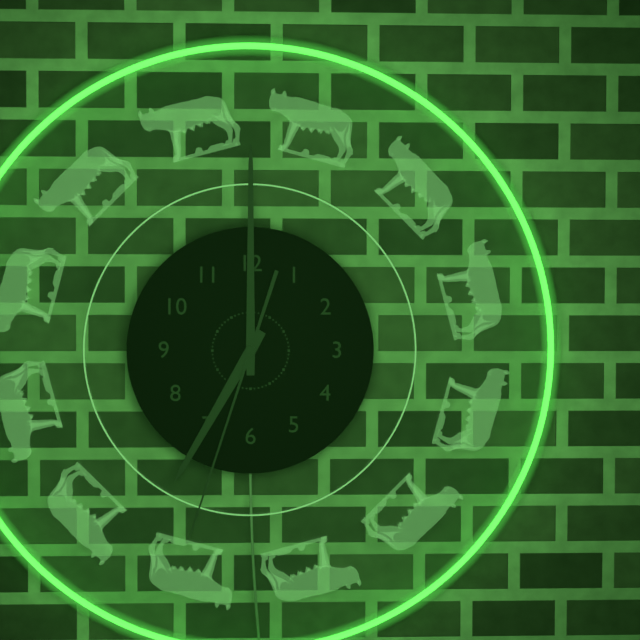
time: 7:00:33
